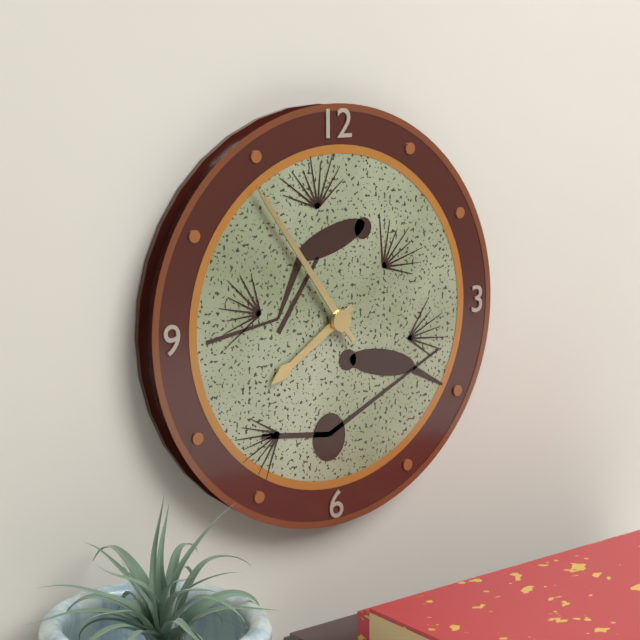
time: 7:54
